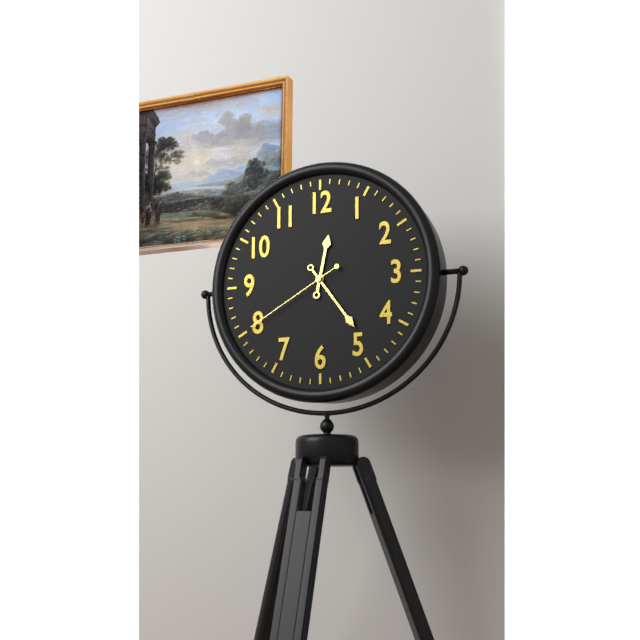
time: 12:24:40
